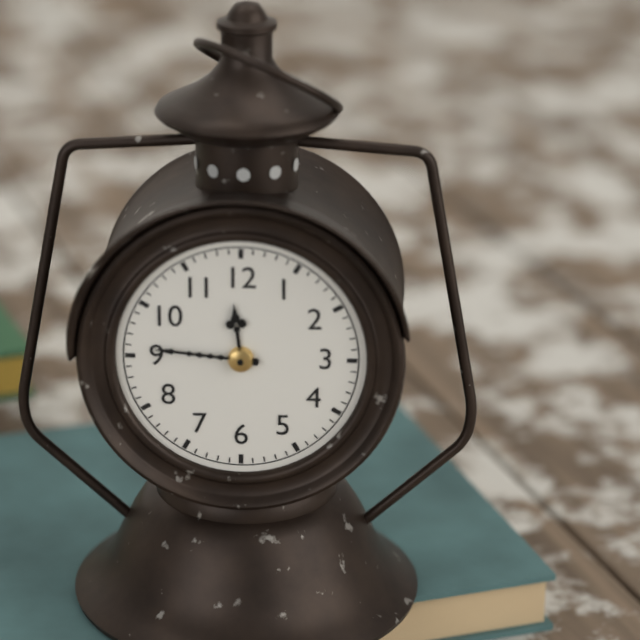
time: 11:46
